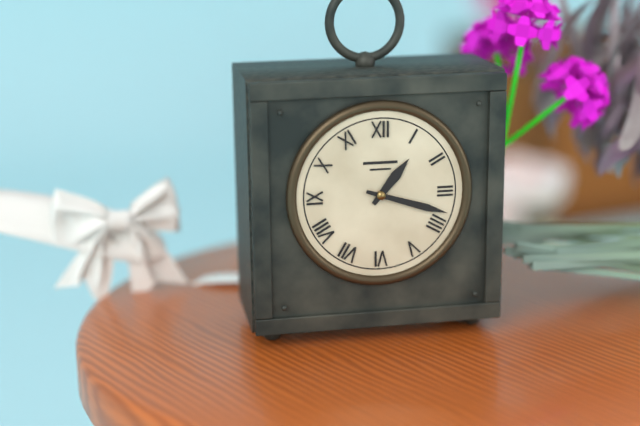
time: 1:18
